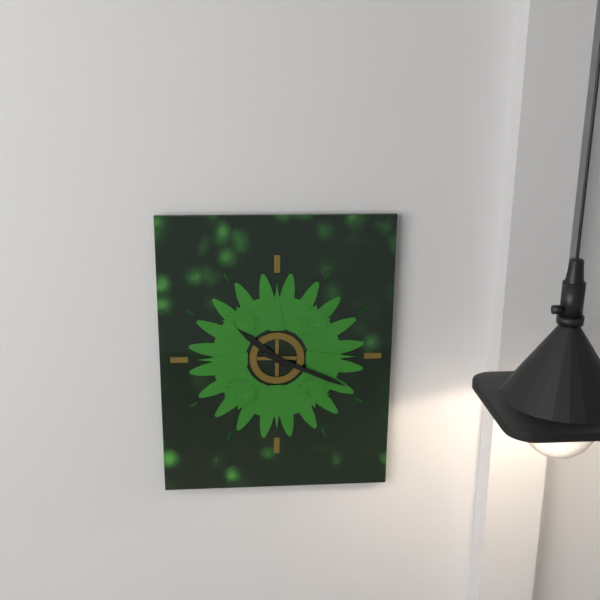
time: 10:19
